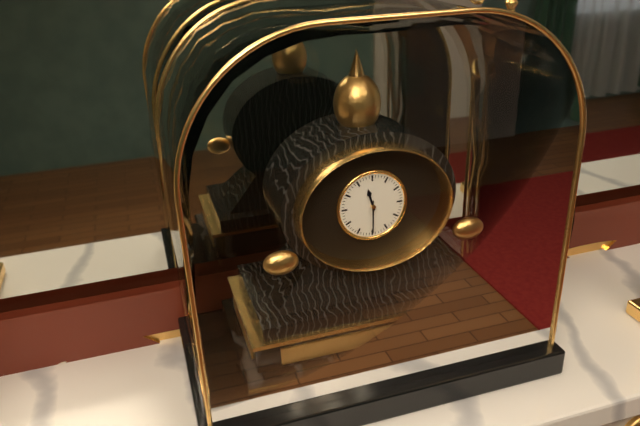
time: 11:30
